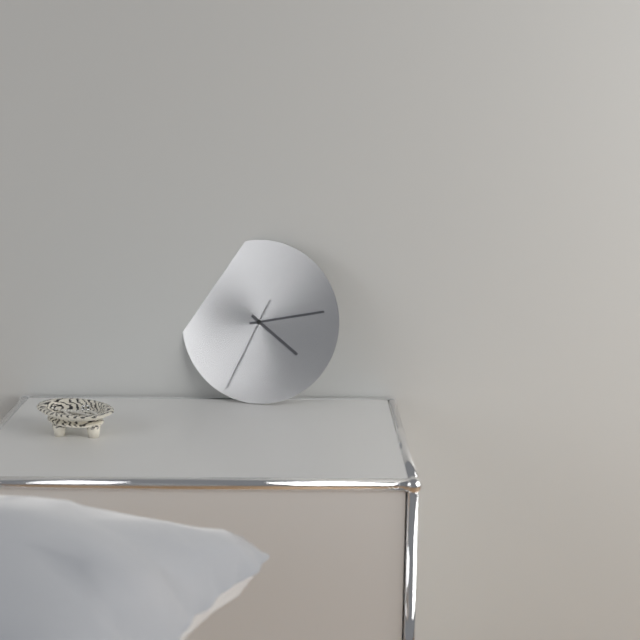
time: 4:13:34
